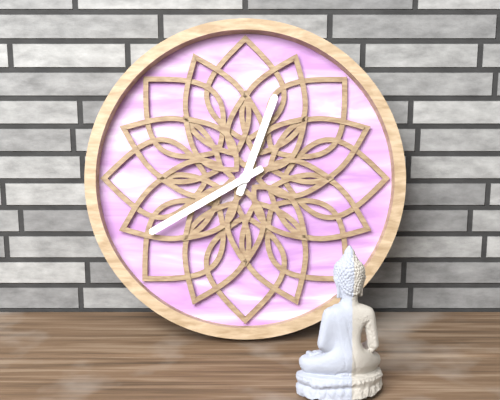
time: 12:40
